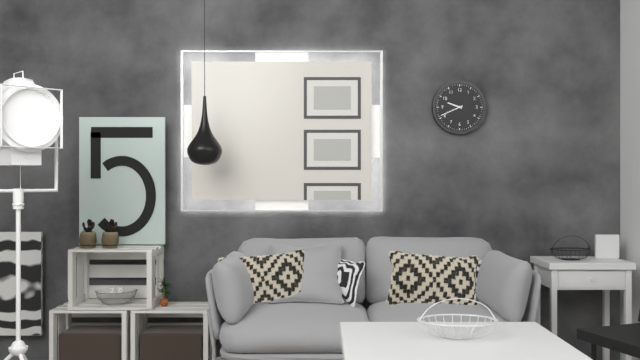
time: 9:41
